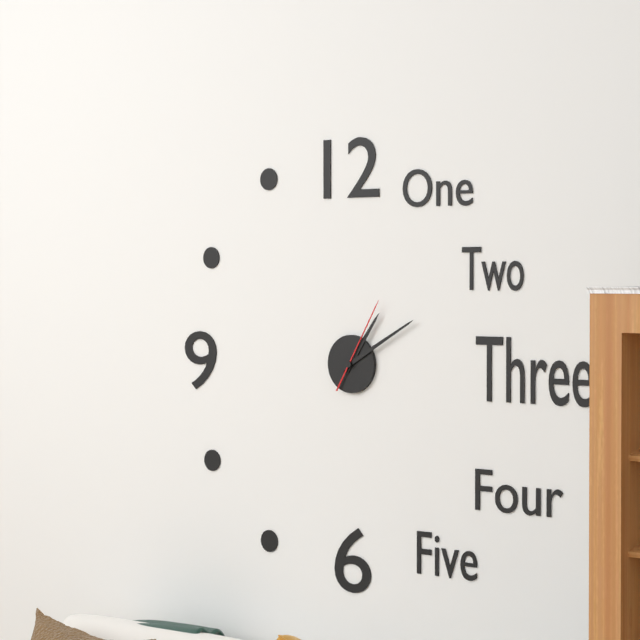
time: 1:10:05
